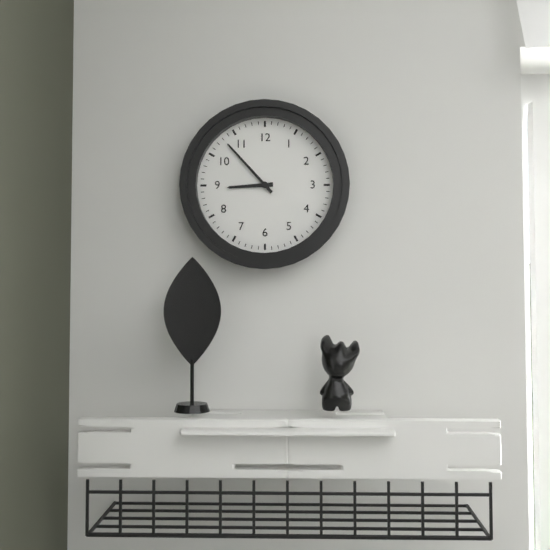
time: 8:53
